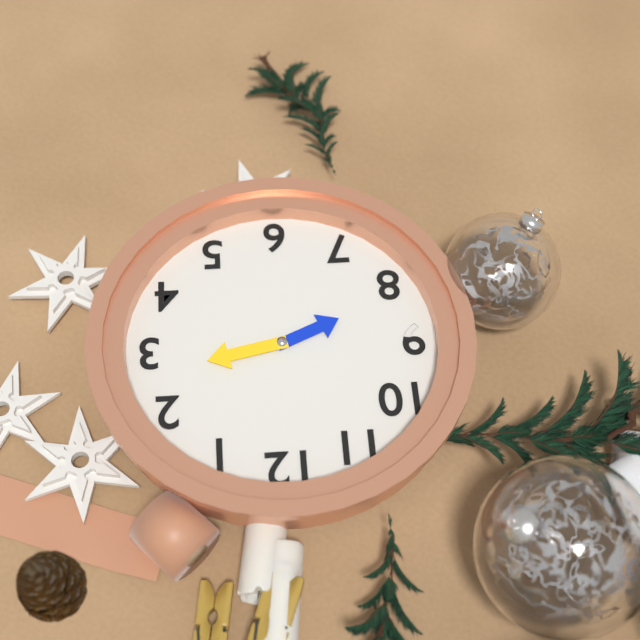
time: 8:13
